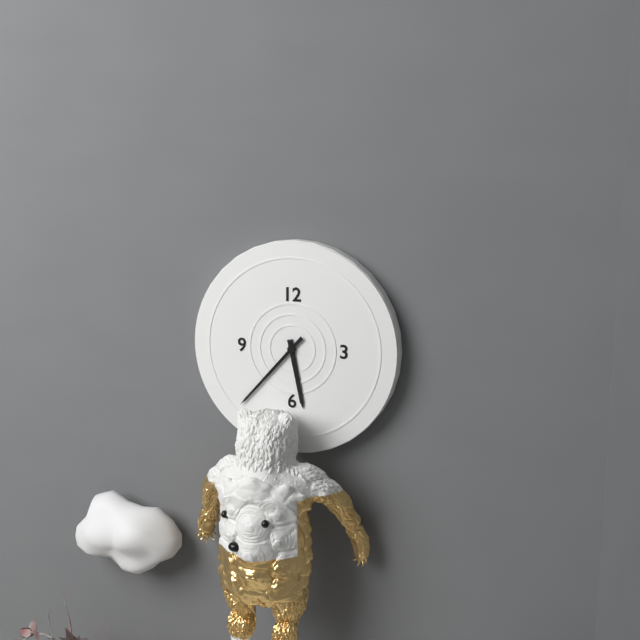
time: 5:37
